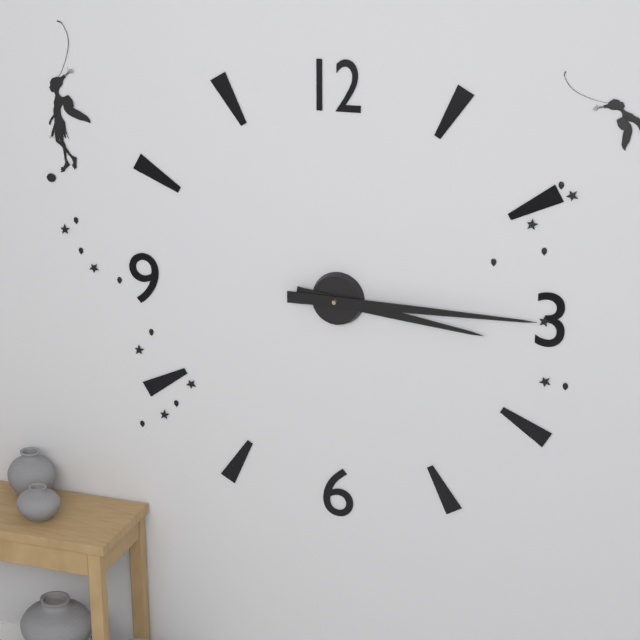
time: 3:15
